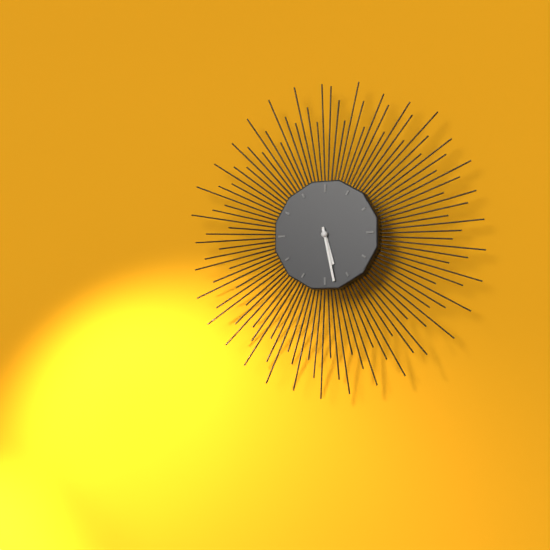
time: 5:28
